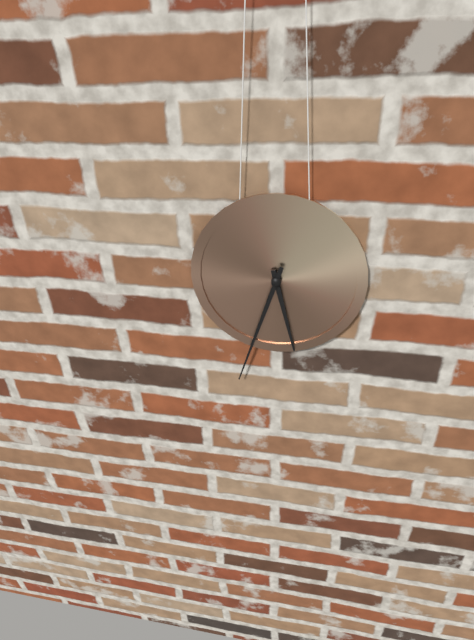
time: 5:33
